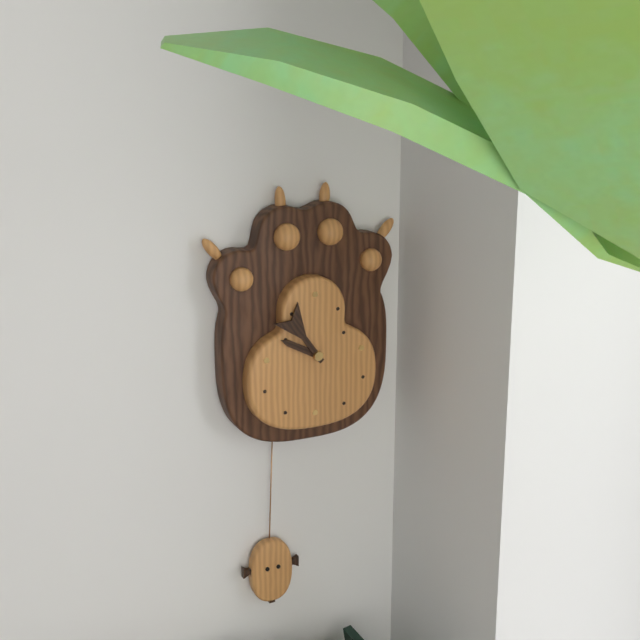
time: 9:54
